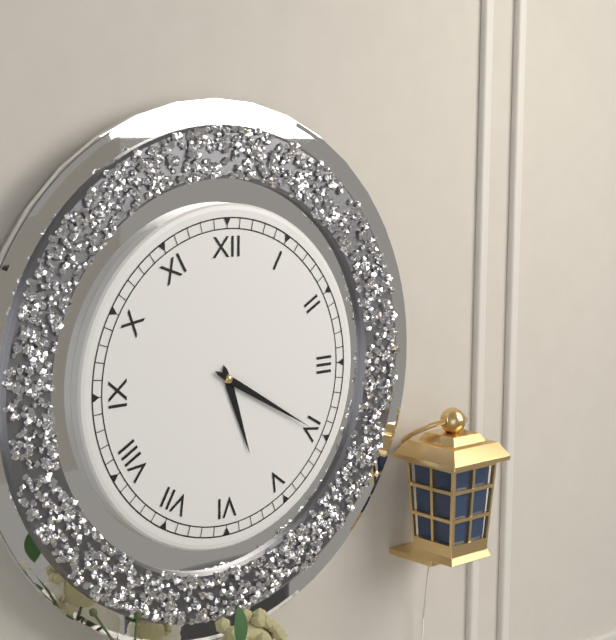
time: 5:20
